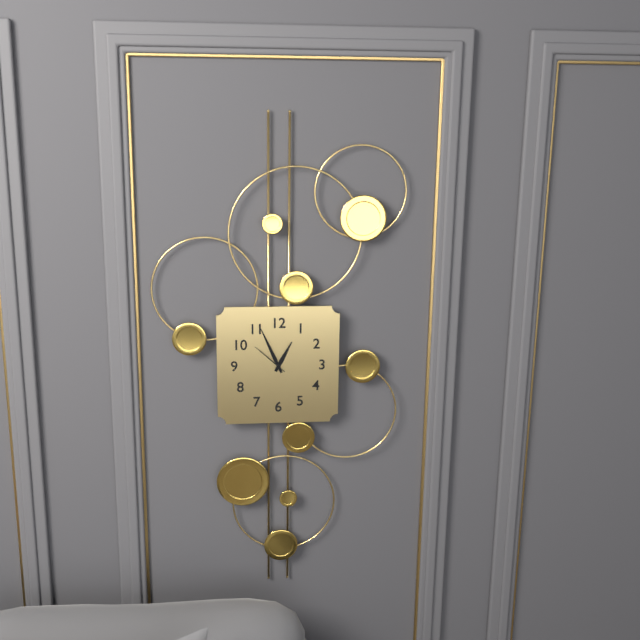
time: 12:56
